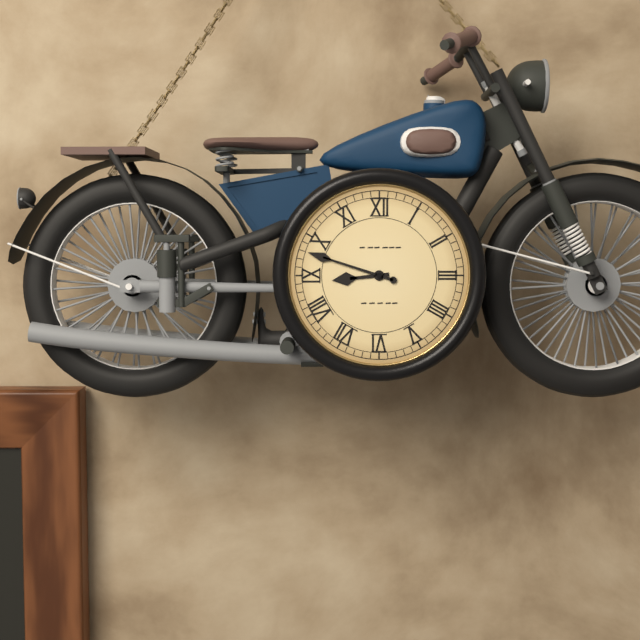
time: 8:48
